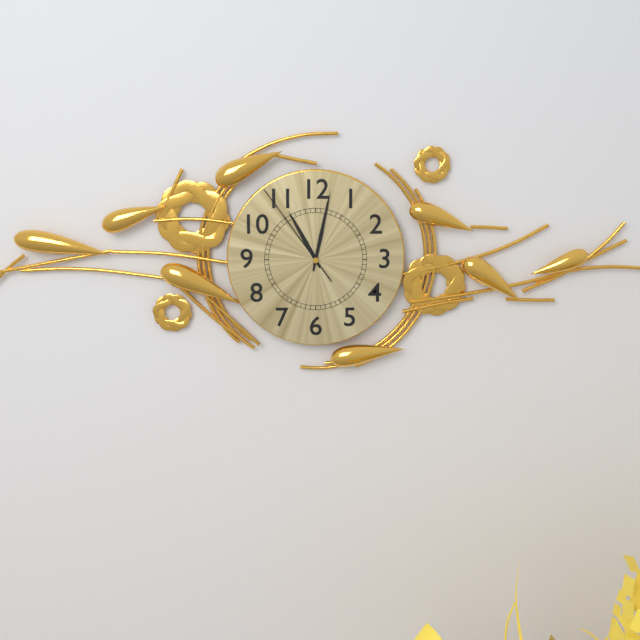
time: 11:02:54
